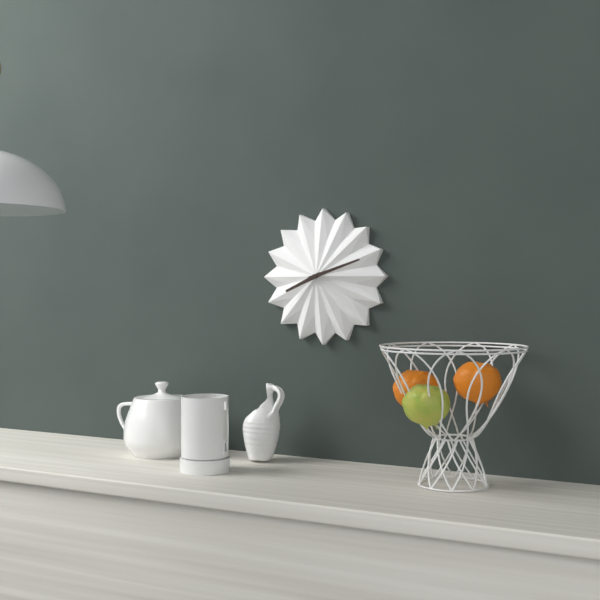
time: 8:12
